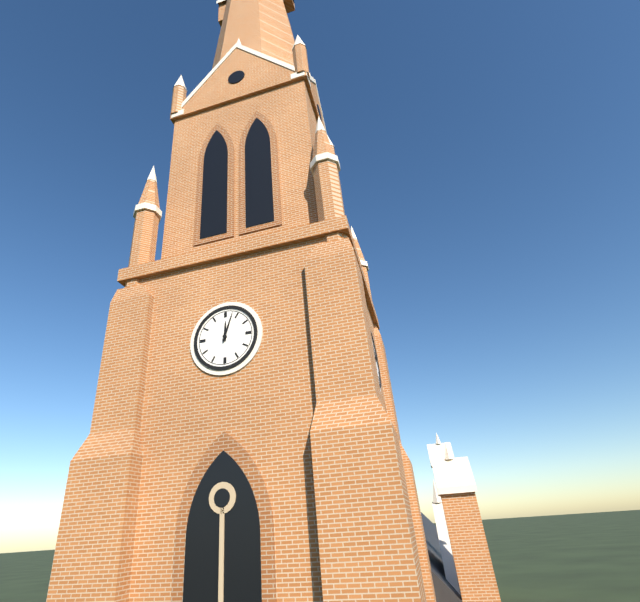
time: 12:03
